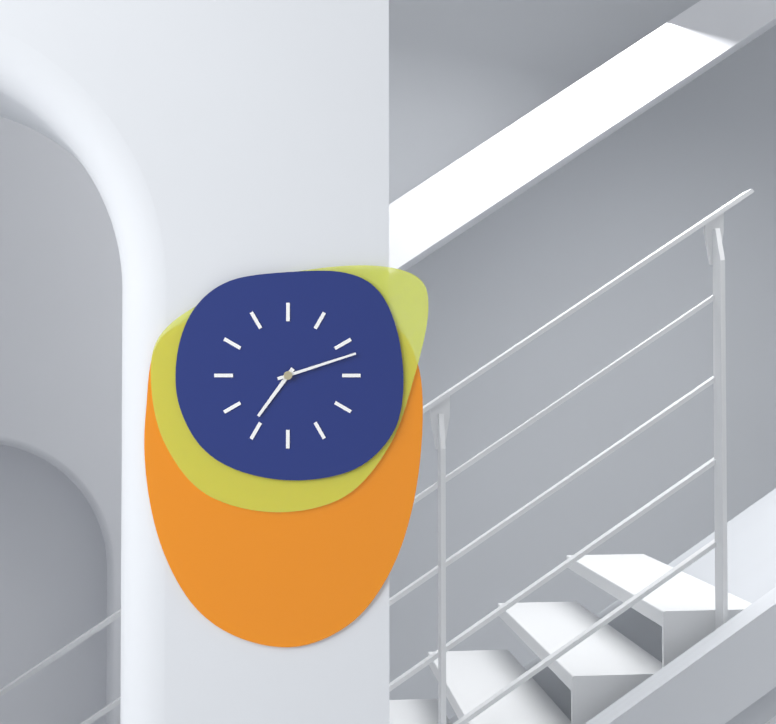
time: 7:12
